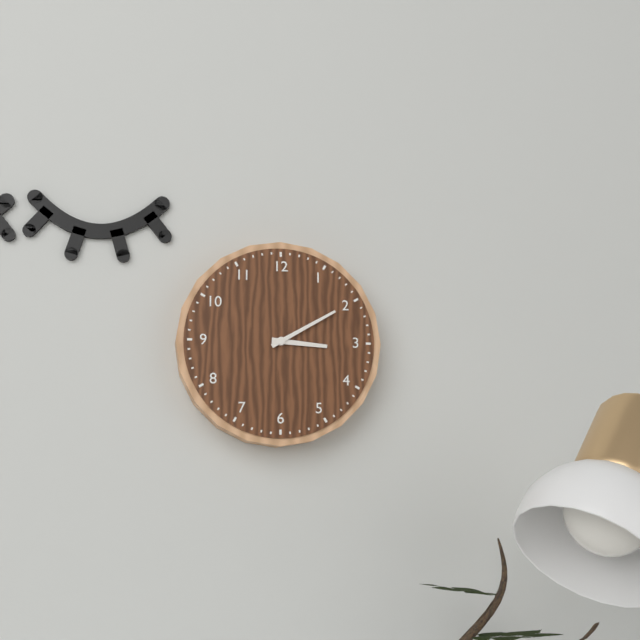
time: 3:10
